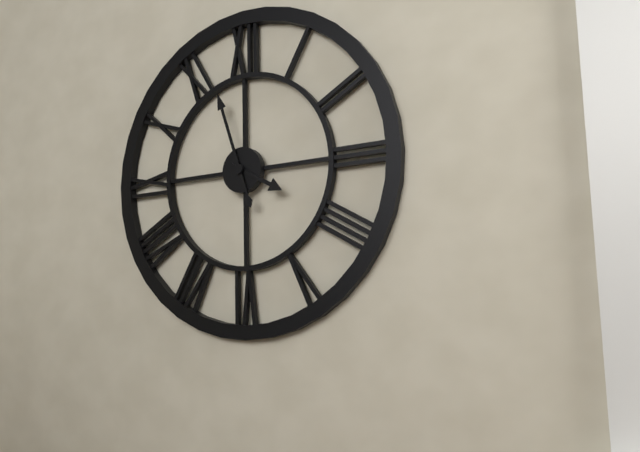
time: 3:57
